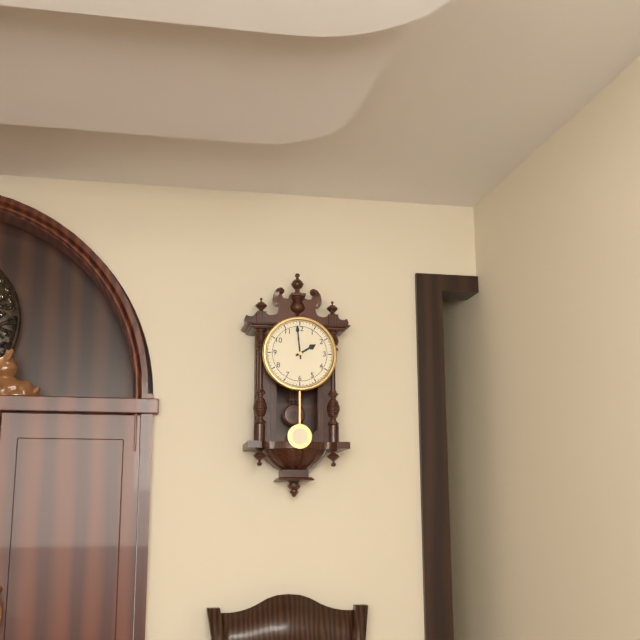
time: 1:59
